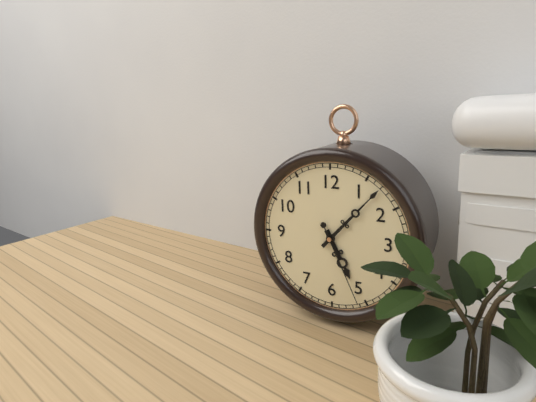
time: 5:07:26
